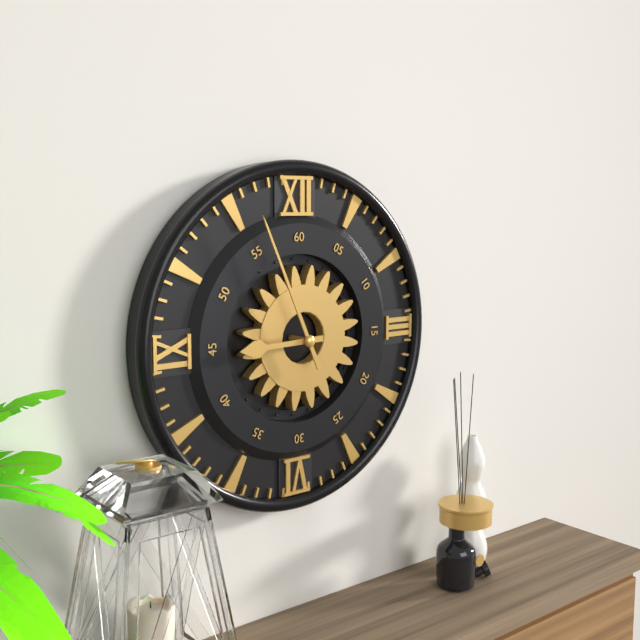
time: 8:56
